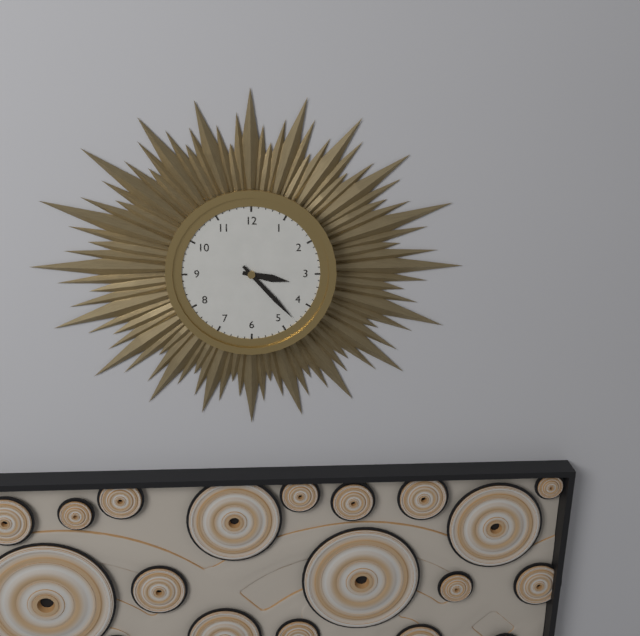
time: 3:23
